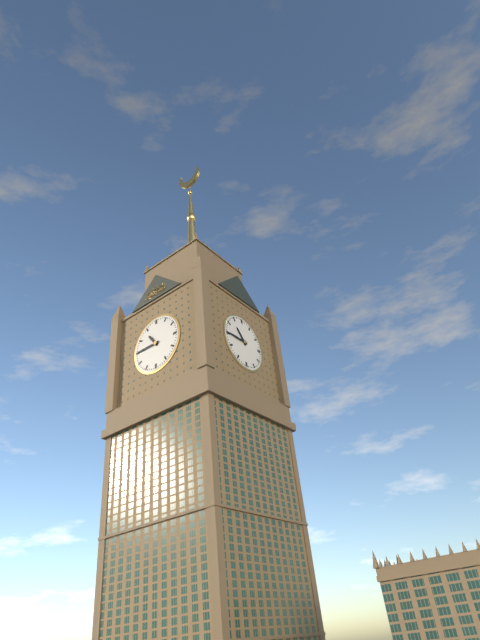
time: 10:45
